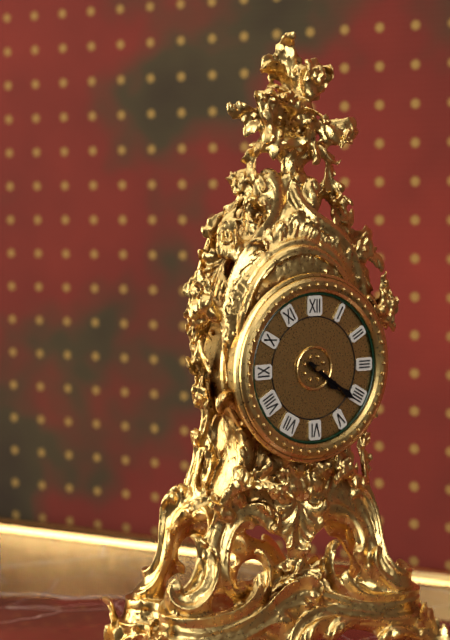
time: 4:21
